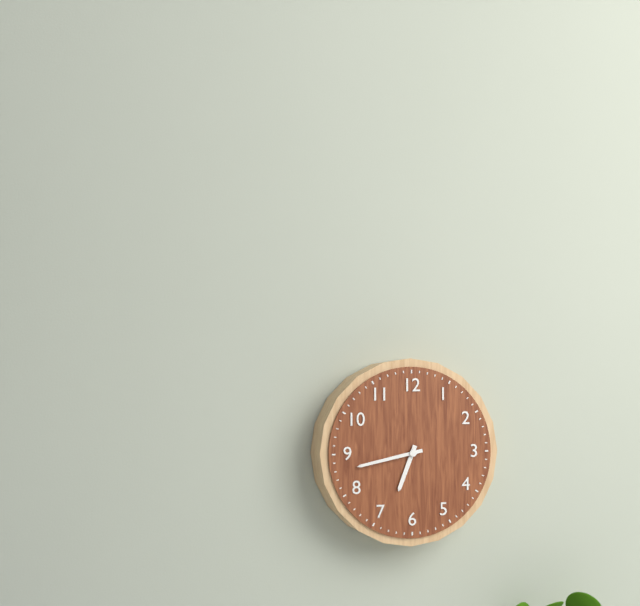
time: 6:43
